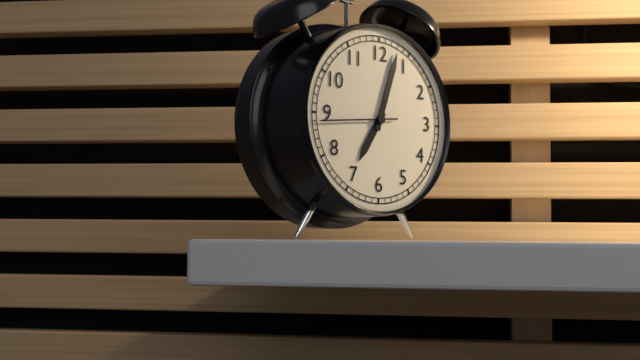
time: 7:03:44
